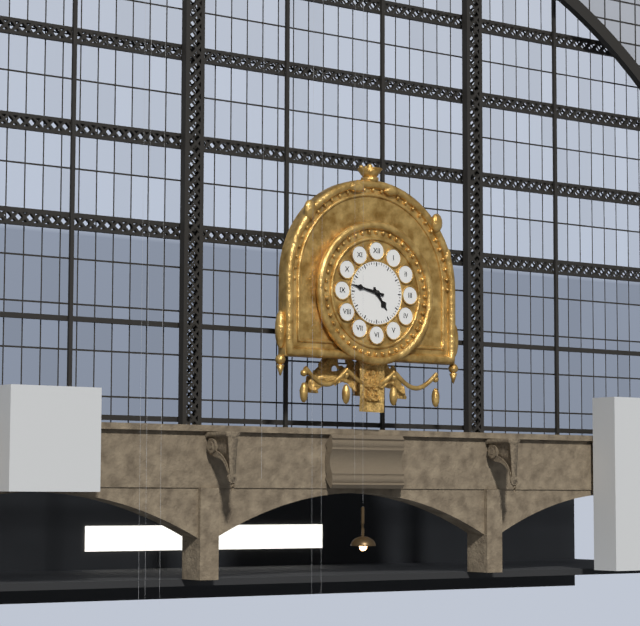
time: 4:47
